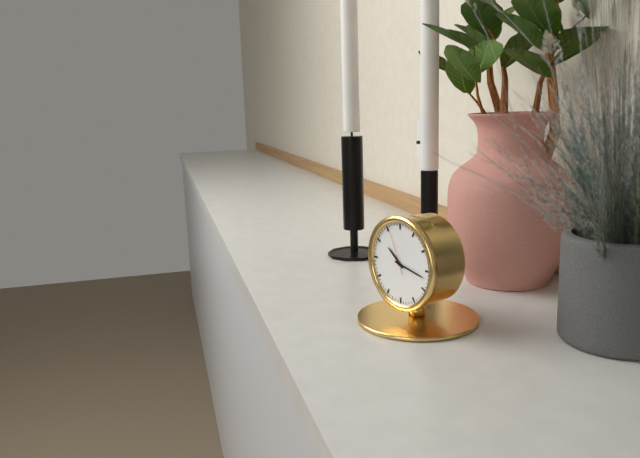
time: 10:17
